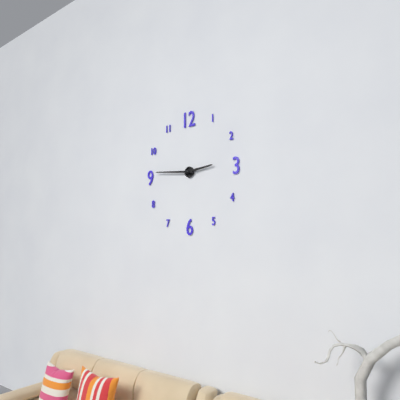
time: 2:46
